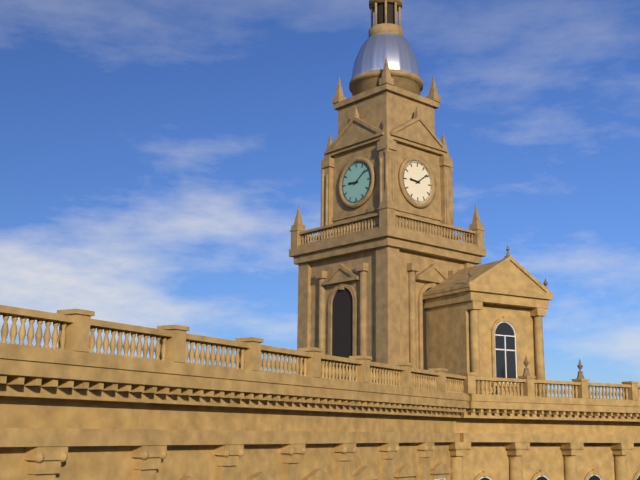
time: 9:09
